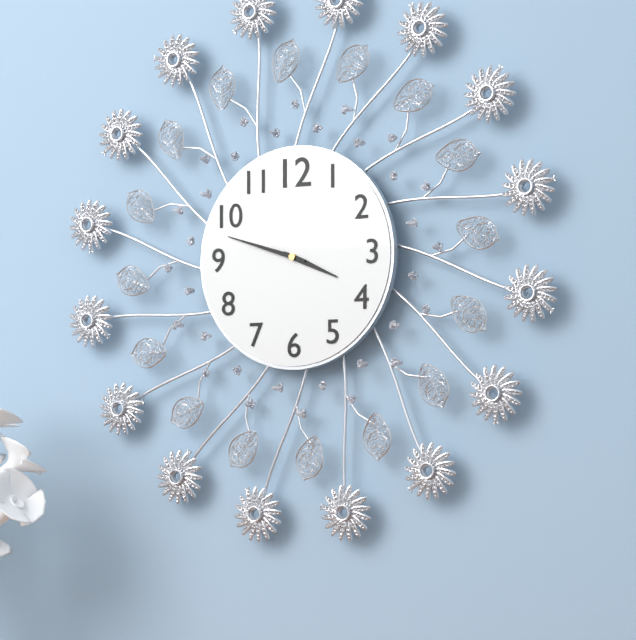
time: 3:48
